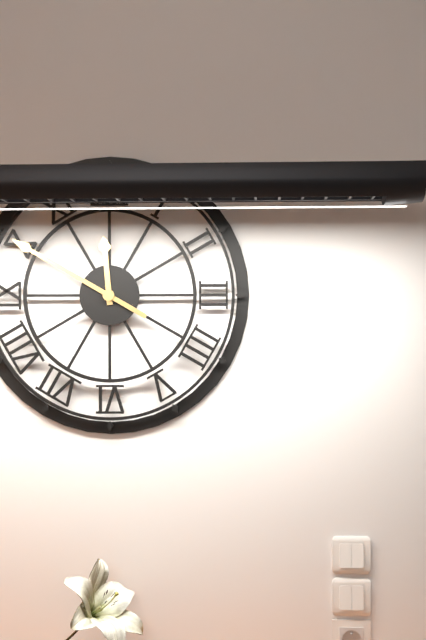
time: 11:50
